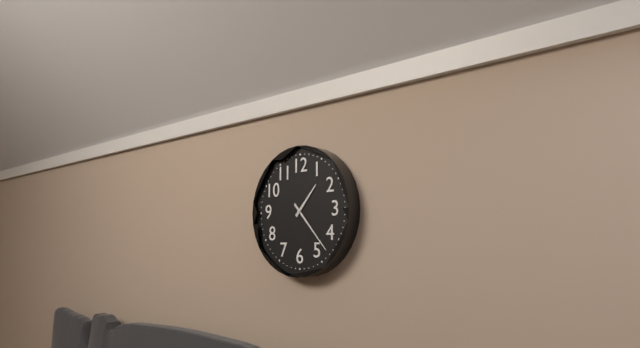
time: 1:23
